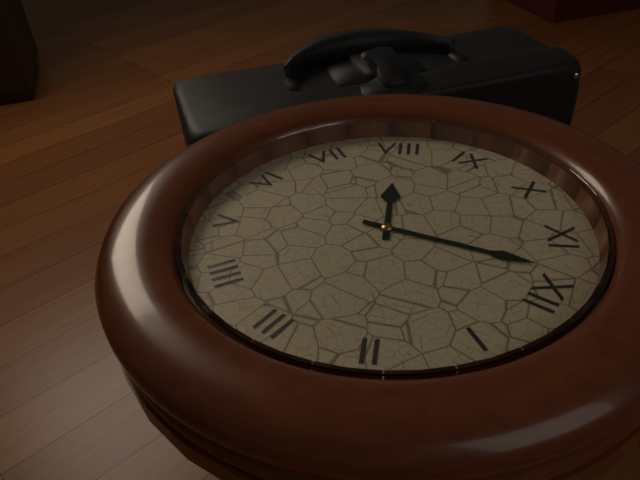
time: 7:58
